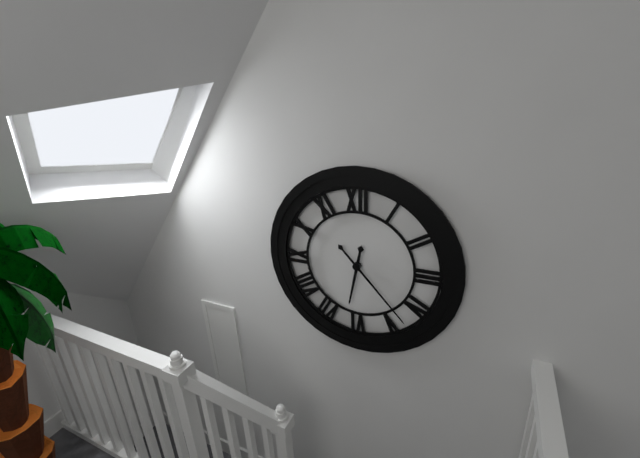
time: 6:23
